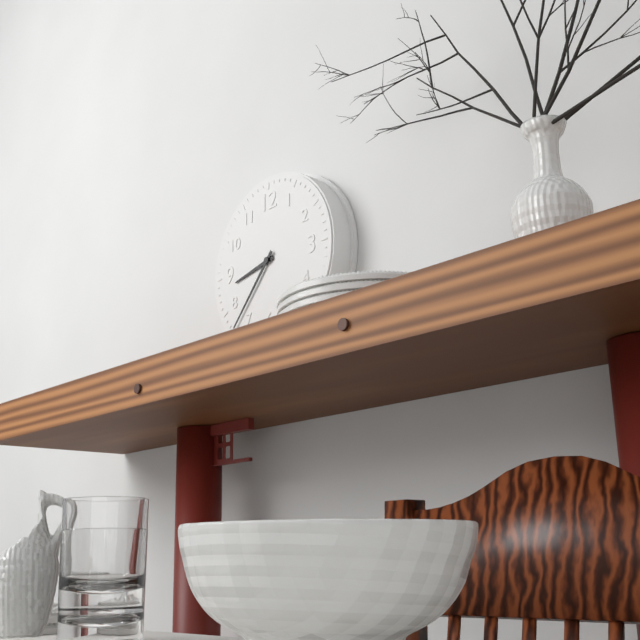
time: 8:37
